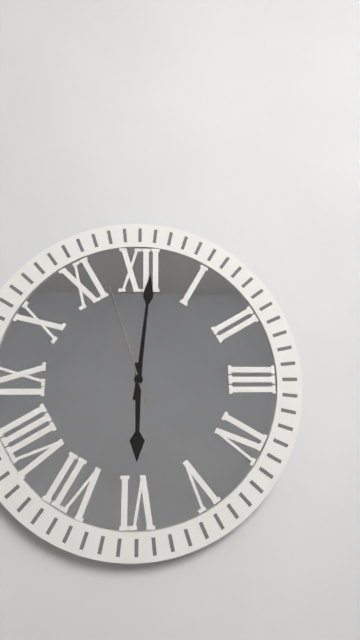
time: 6:01:57
